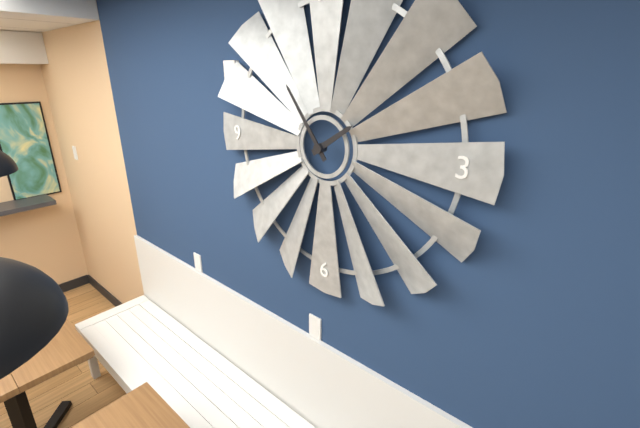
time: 1:54
